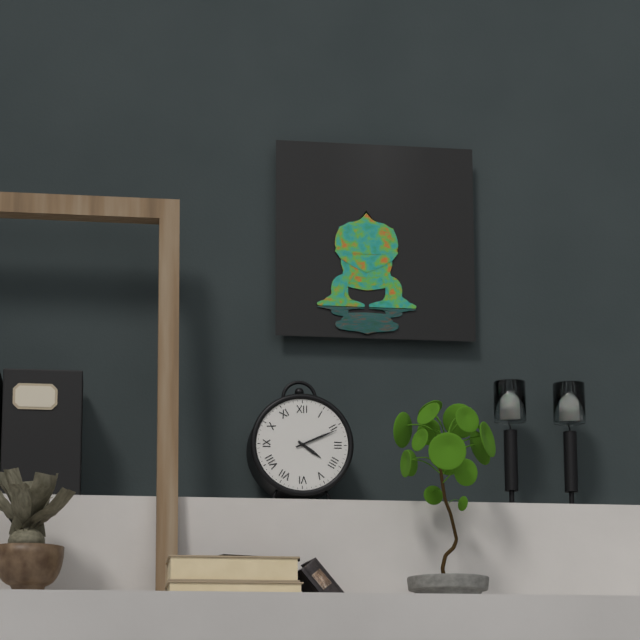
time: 4:11
